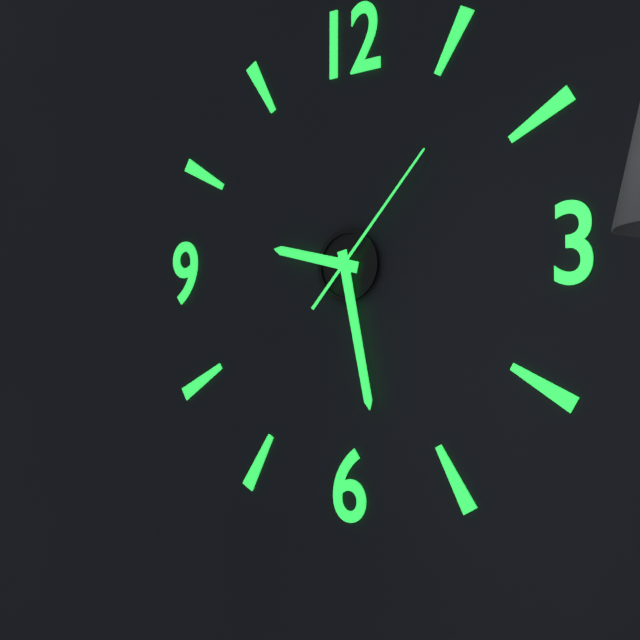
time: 9:28:07
